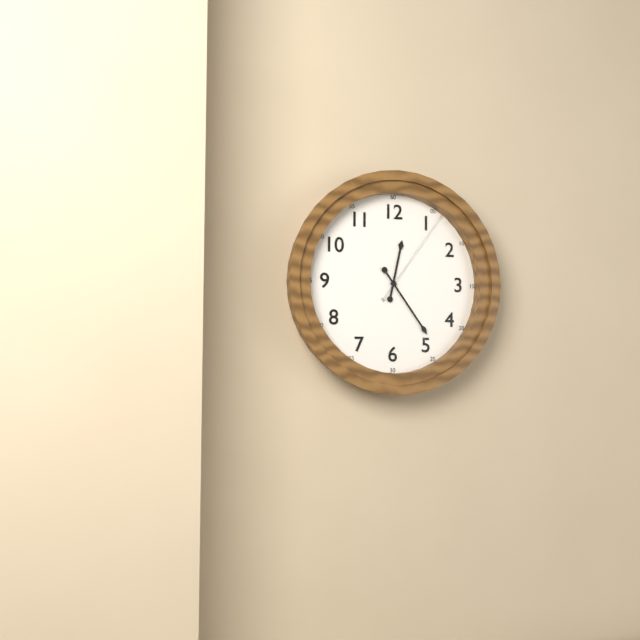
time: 12:24:06
